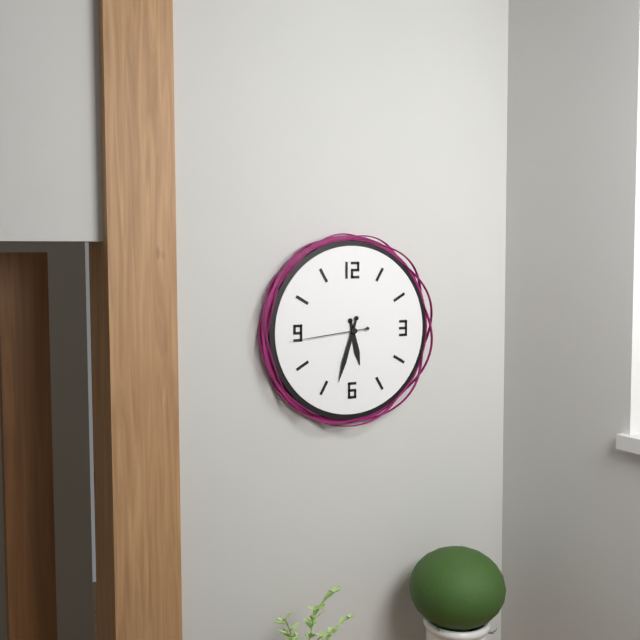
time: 5:33:44
